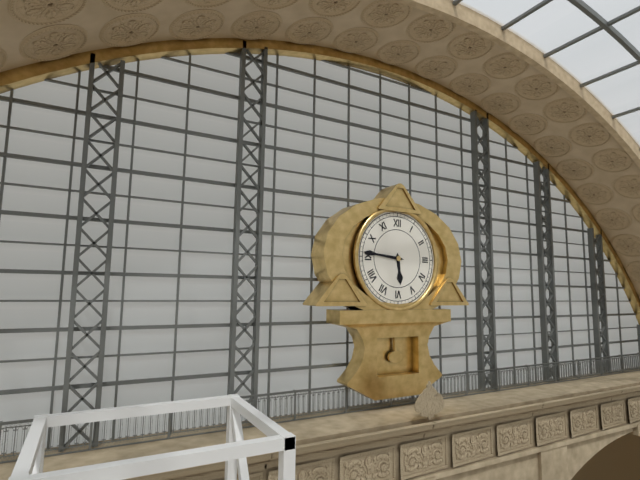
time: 5:46
